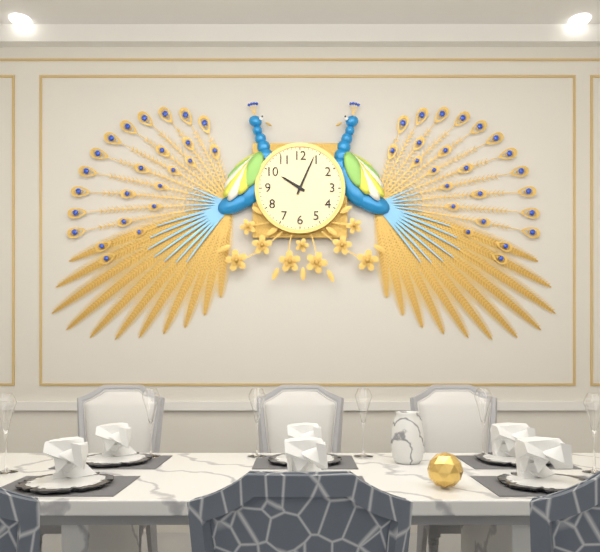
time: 10:04
